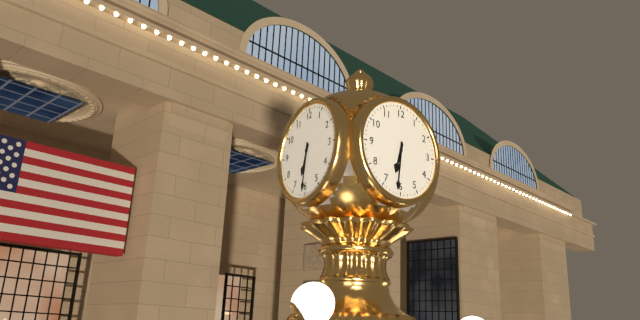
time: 6:31
